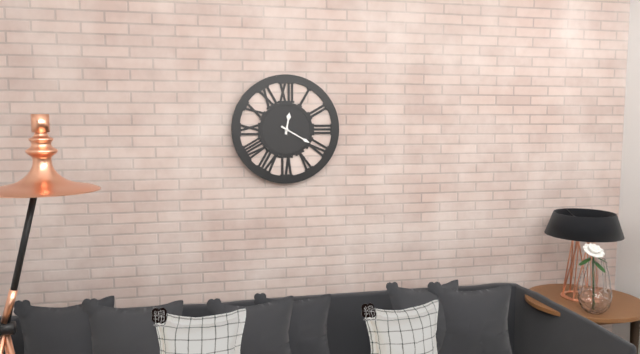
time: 12:20
